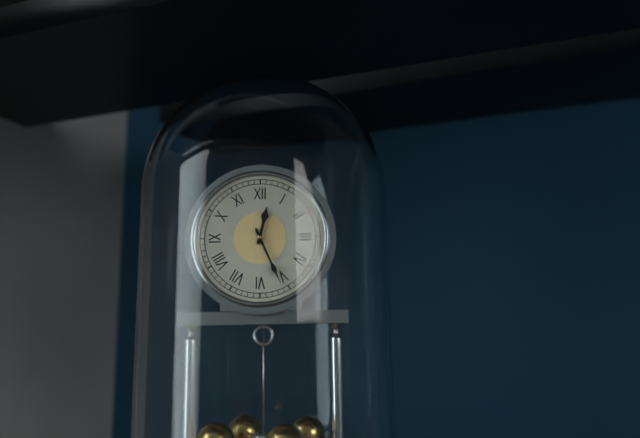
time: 12:26
